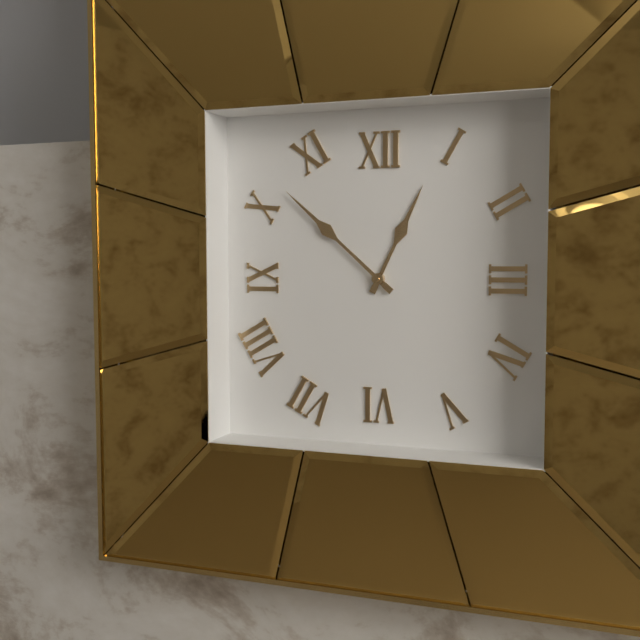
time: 12:52
